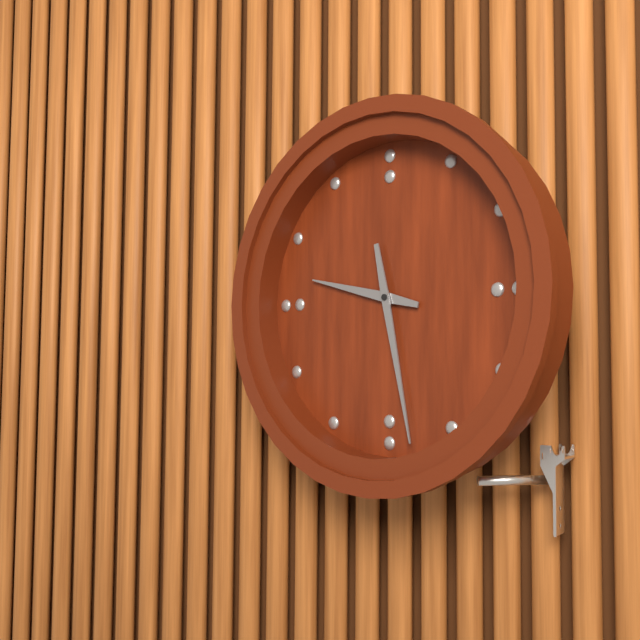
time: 9:28
